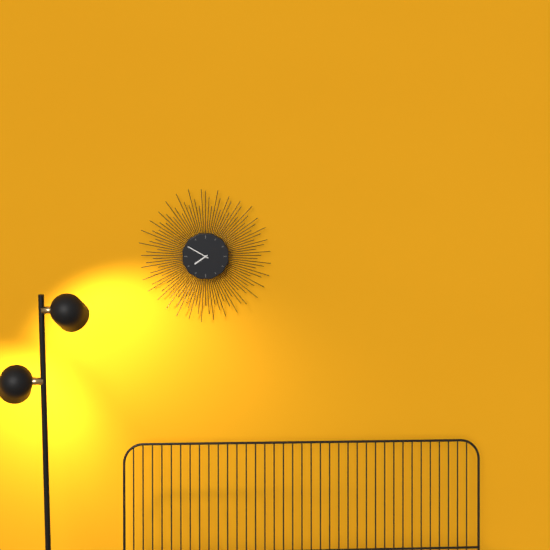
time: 7:50
